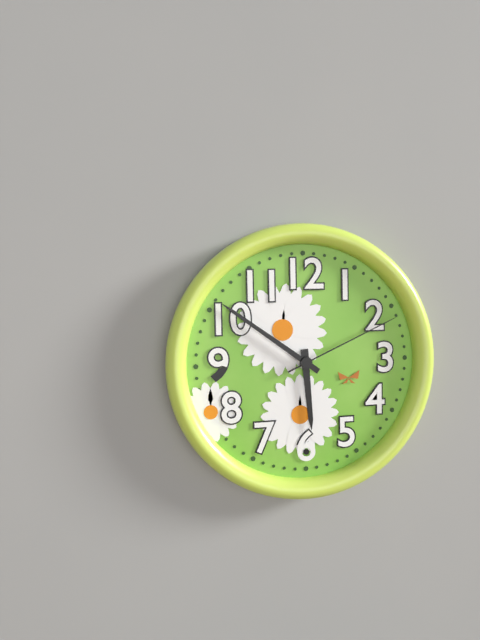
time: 5:51:11
